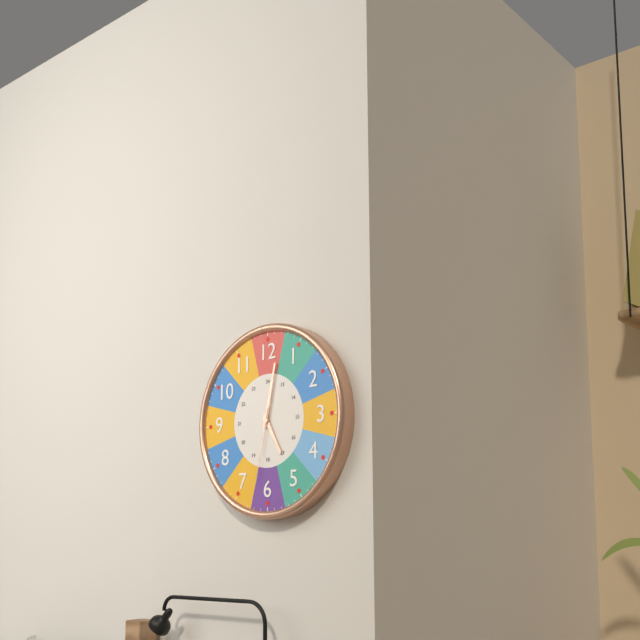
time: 5:02:32
